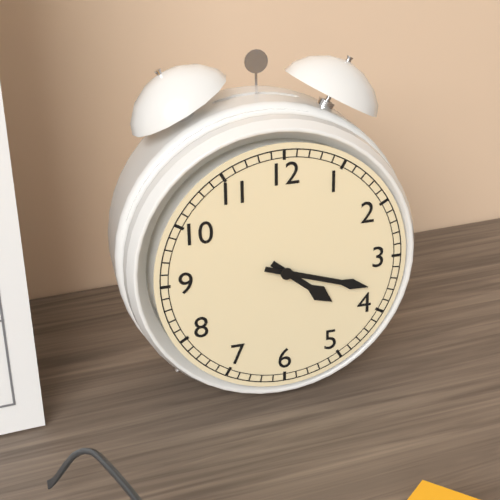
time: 4:18
